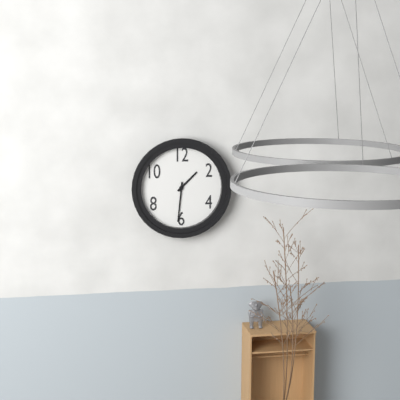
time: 1:31
